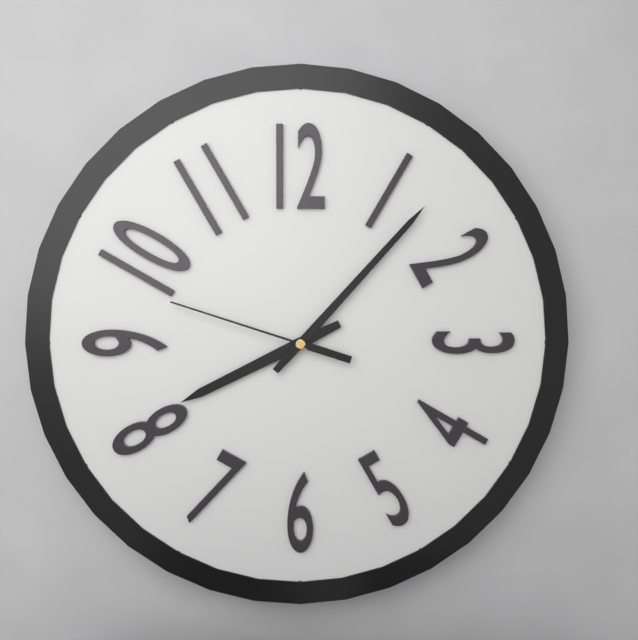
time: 8:07:48
